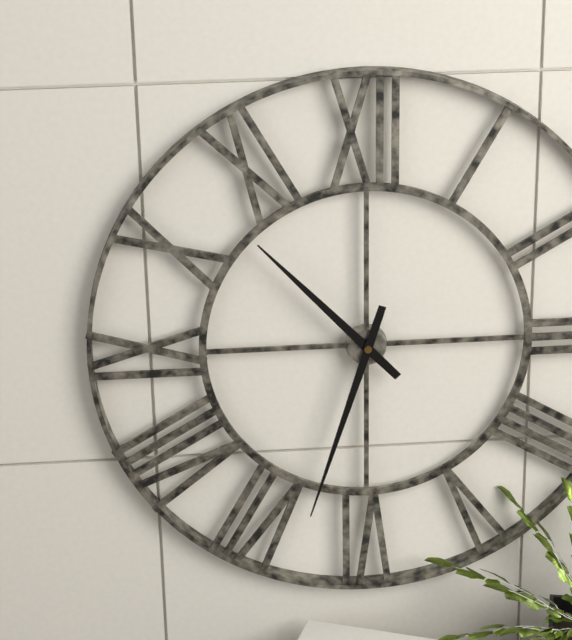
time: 10:33
